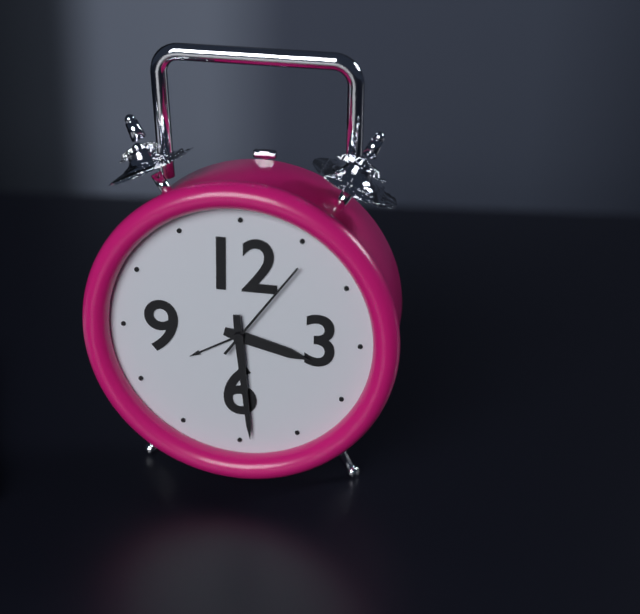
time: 3:29:06
